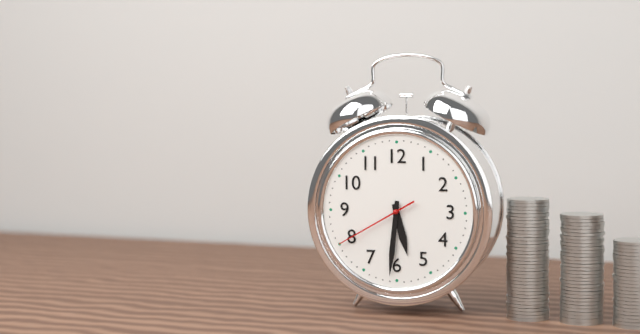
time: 5:31:40
